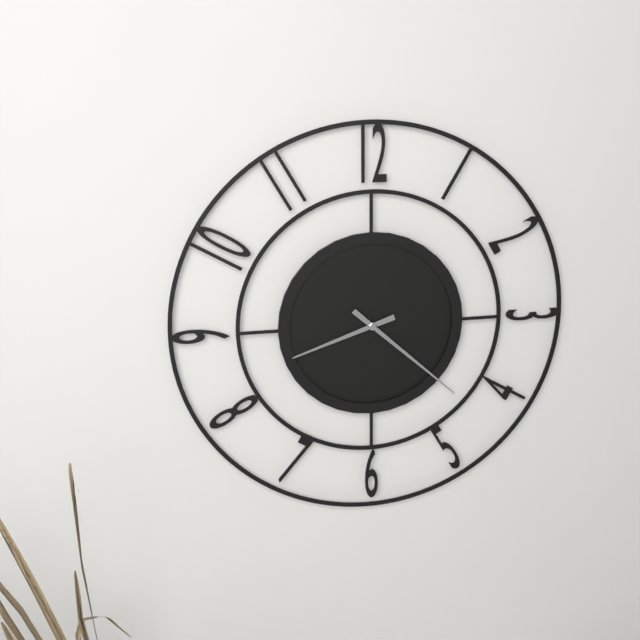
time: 8:22
